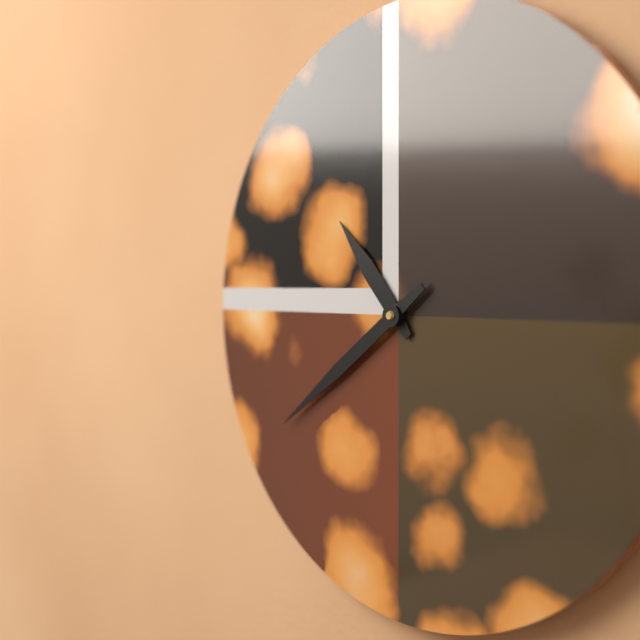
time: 10:39
